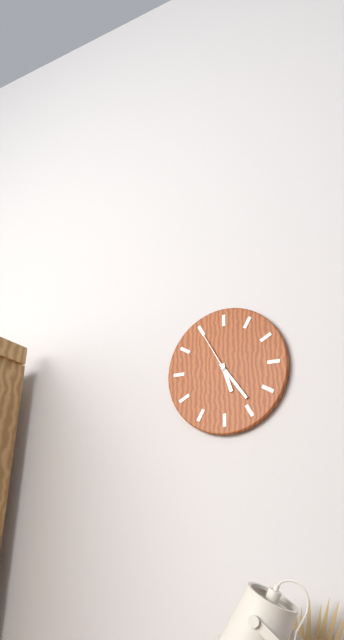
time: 5:24
